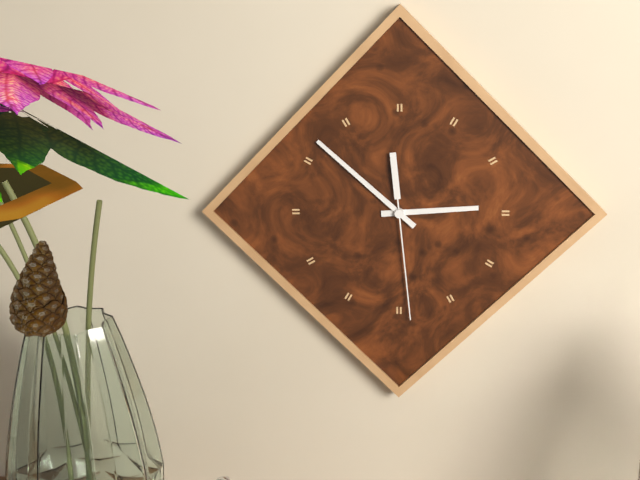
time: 2:52:29
